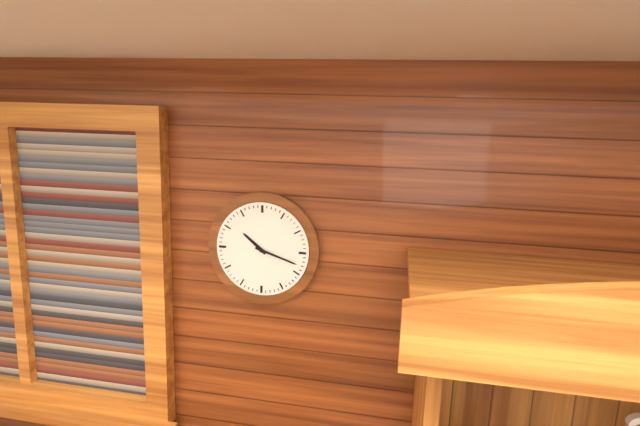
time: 10:18
